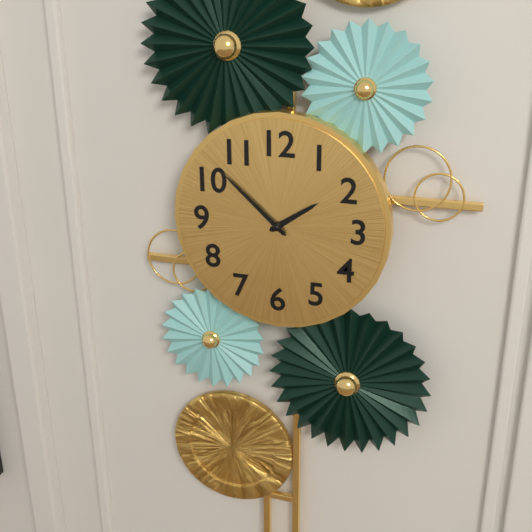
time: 1:52
